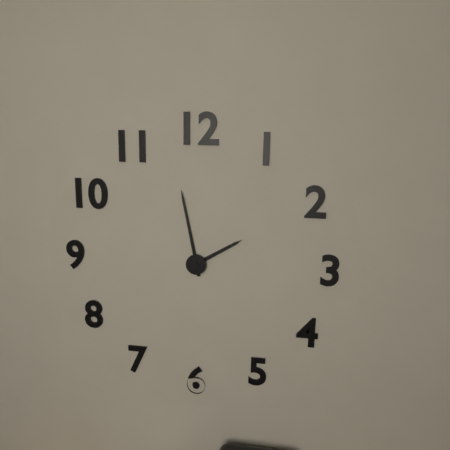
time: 1:58
